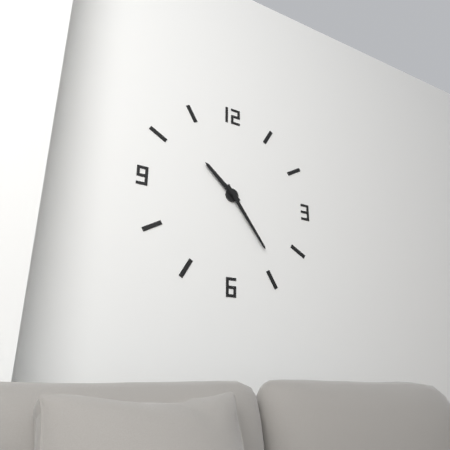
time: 10:24
